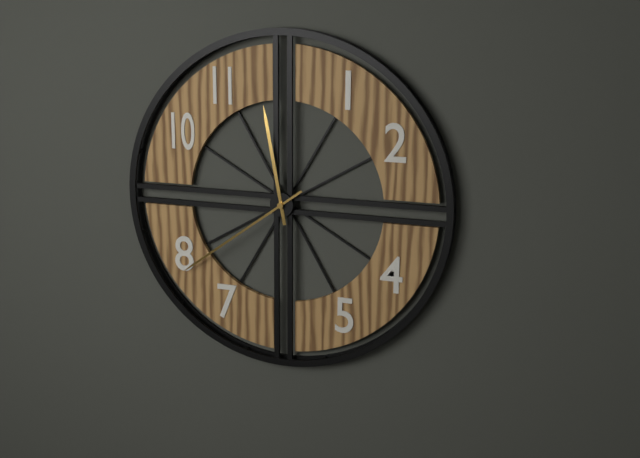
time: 11:39
